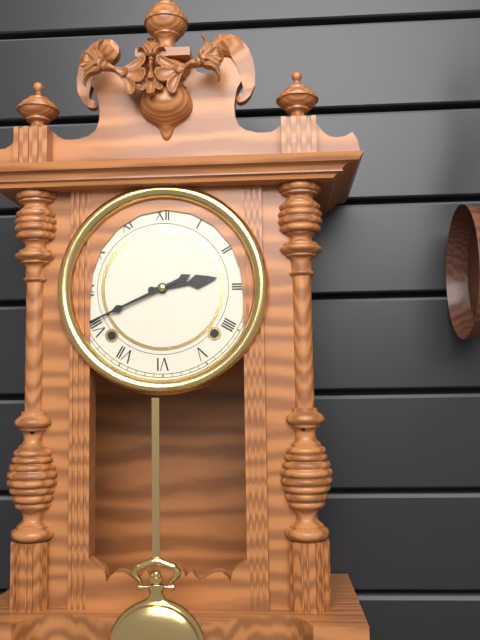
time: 2:41
